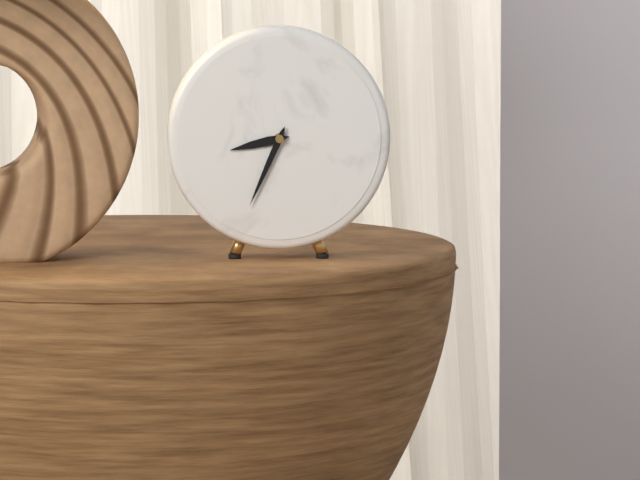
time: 8:34
